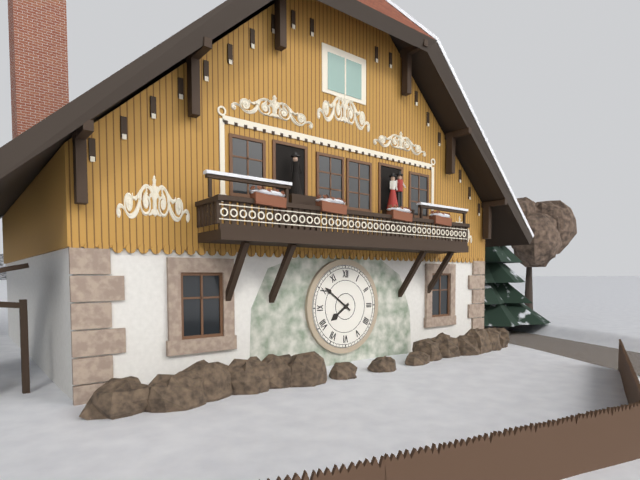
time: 7:51
